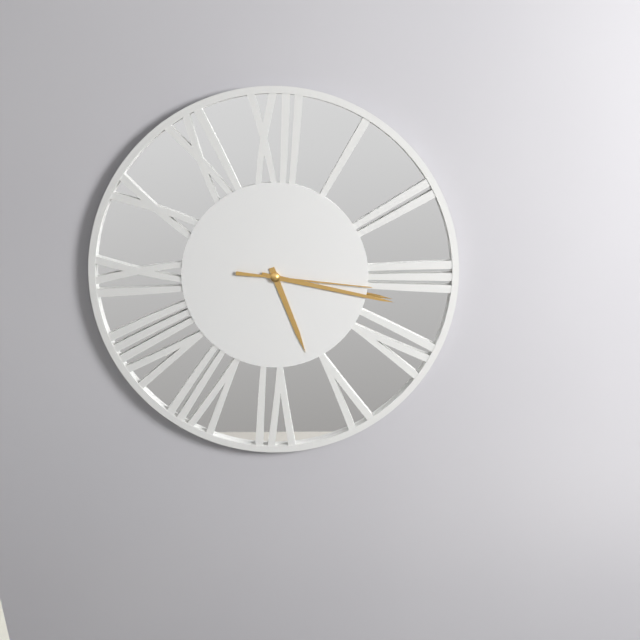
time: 5:17:16
